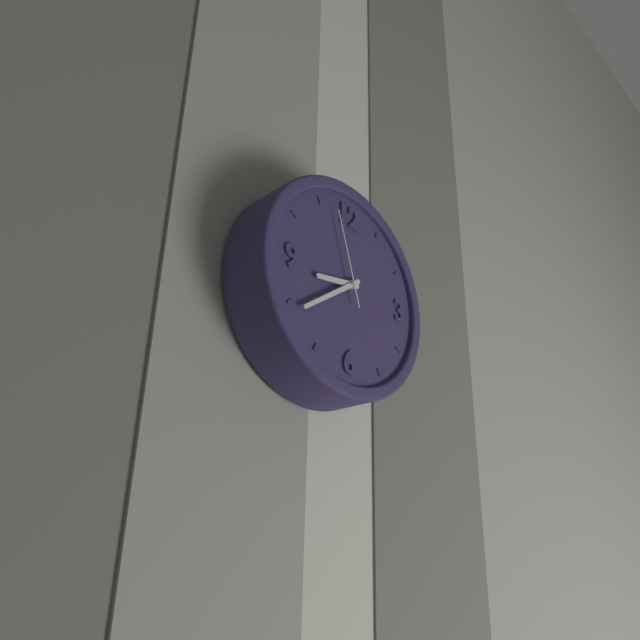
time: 8:39:57
